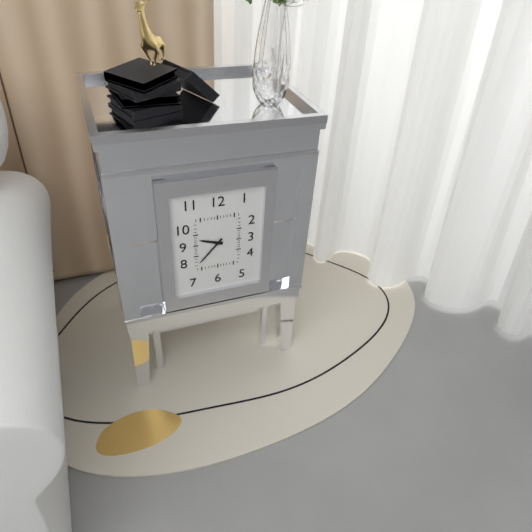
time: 9:37
